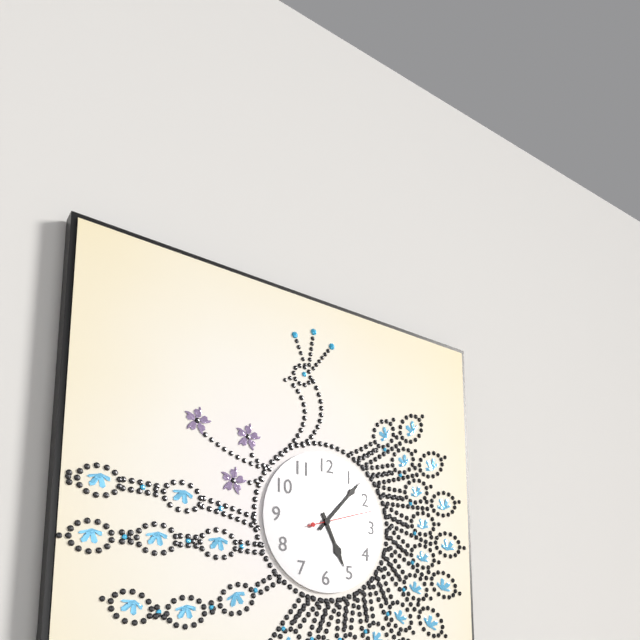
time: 5:07:12
